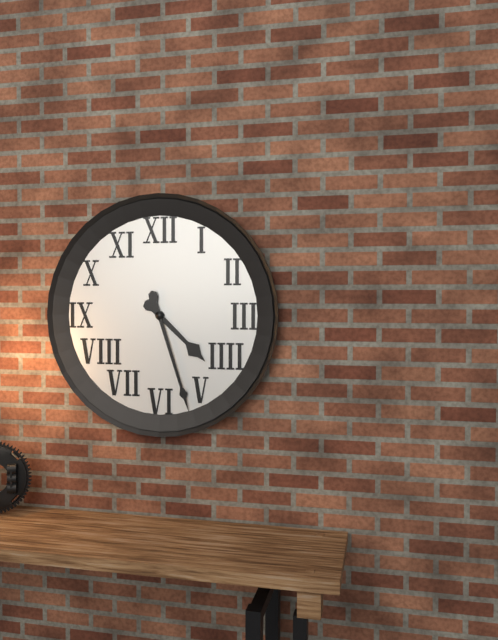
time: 4:27
